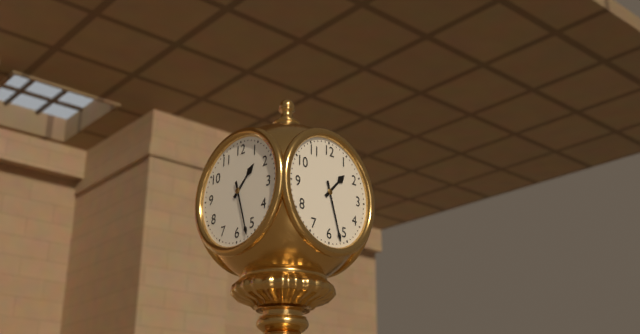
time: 1:27
